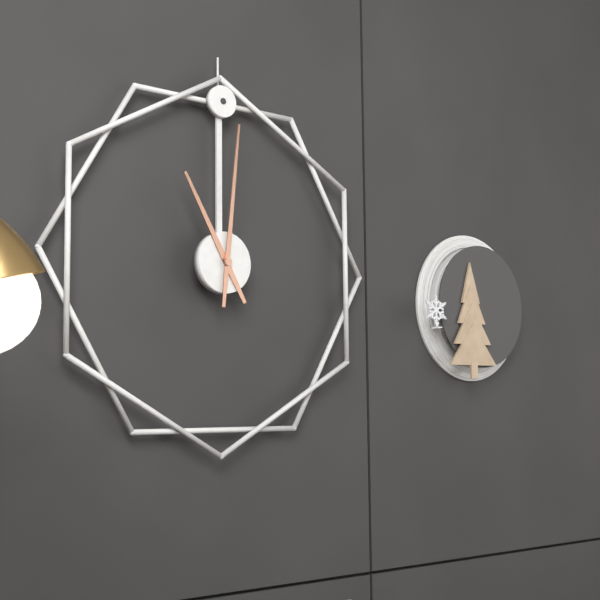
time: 11:01
